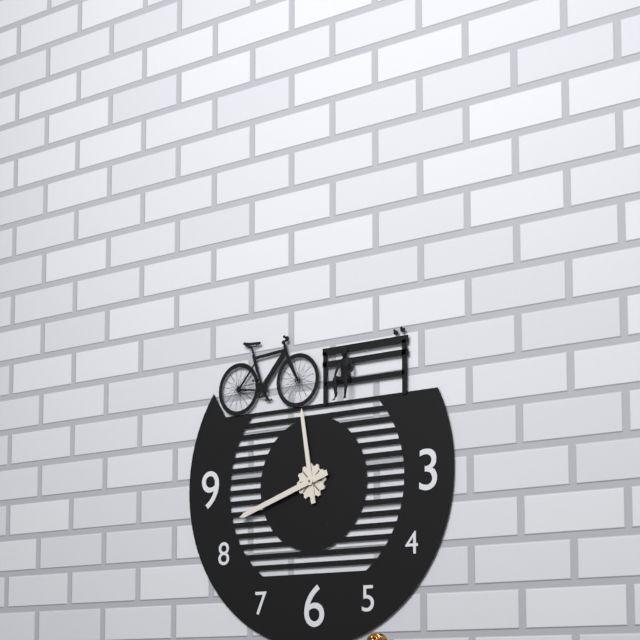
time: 11:42
